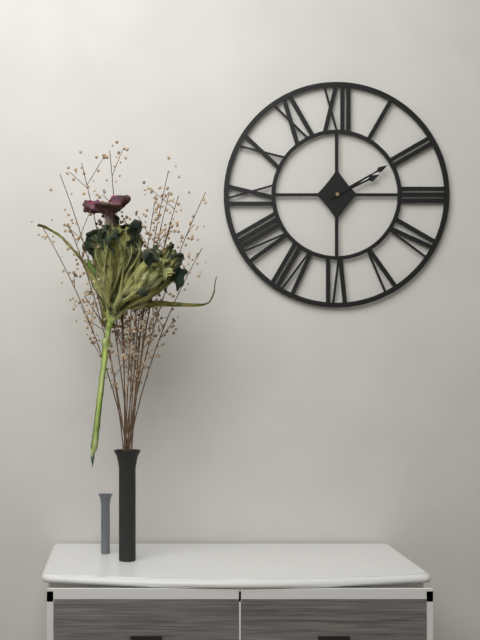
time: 2:10
